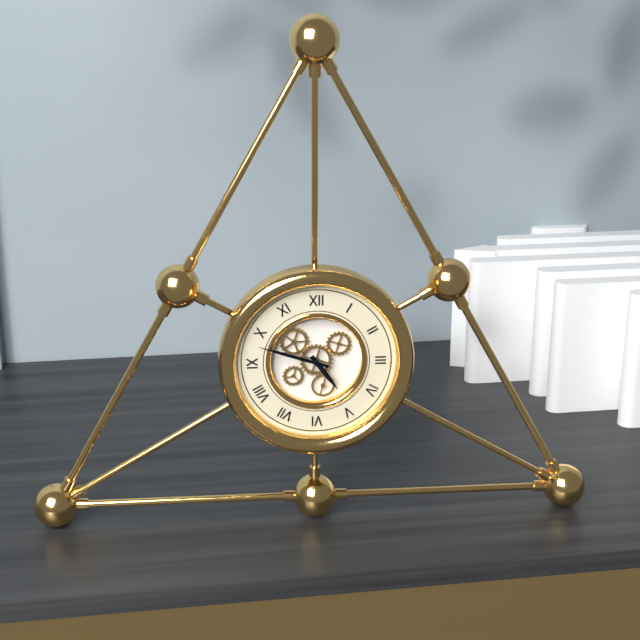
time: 4:48
